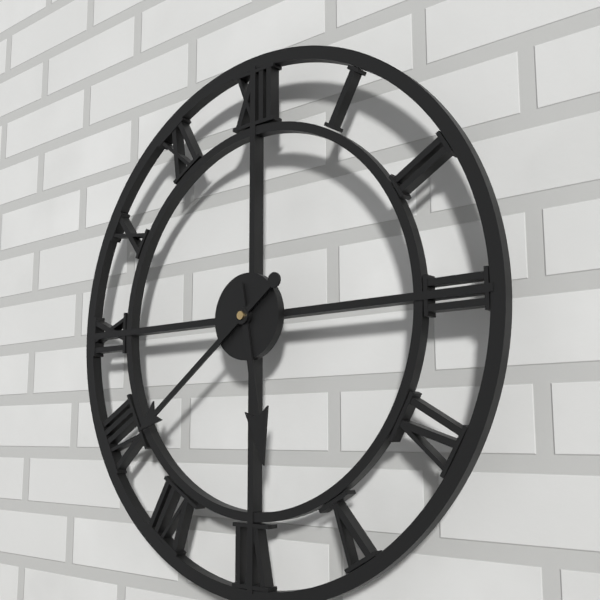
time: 5:39
